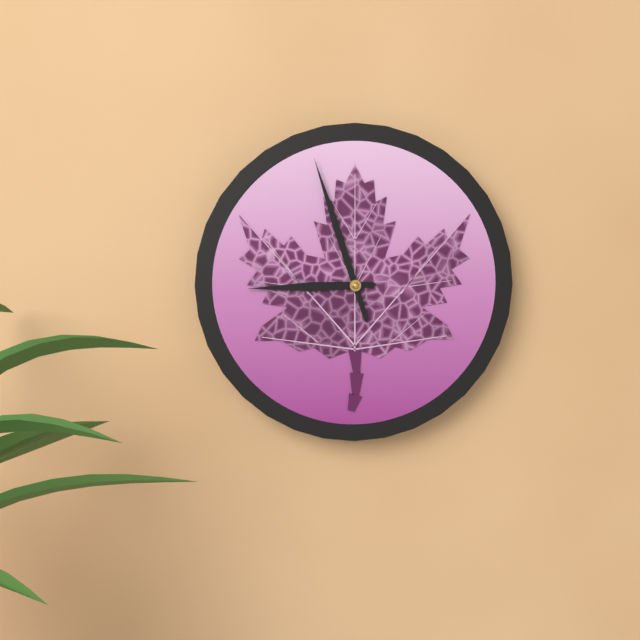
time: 8:57
